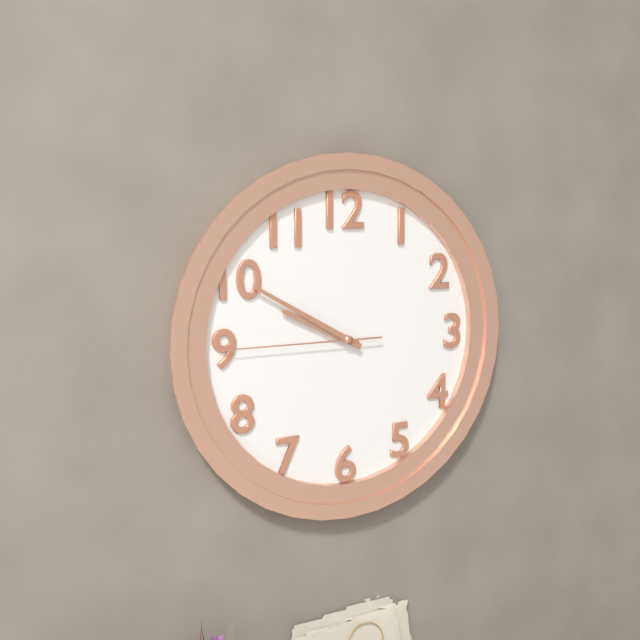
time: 9:50:45
